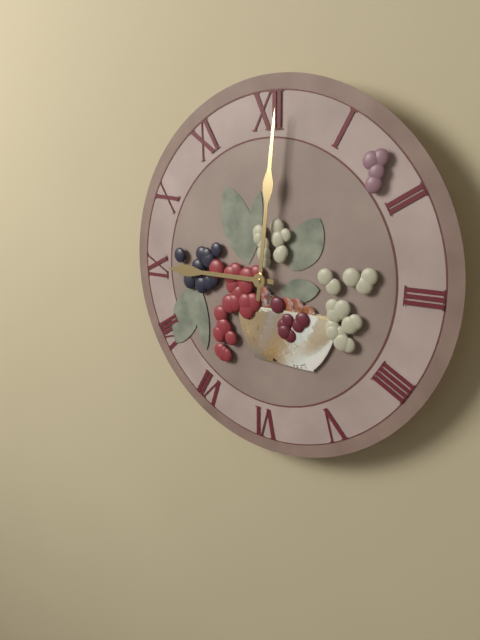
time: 9:01
